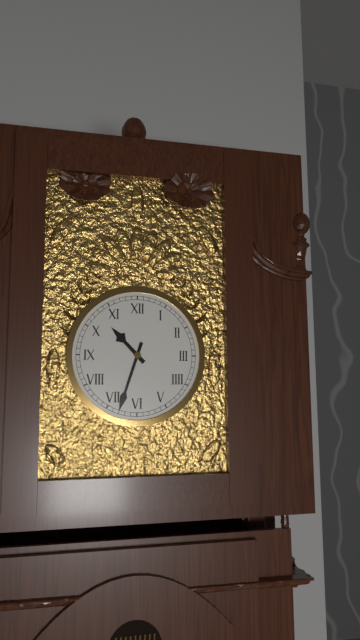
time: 10:33
